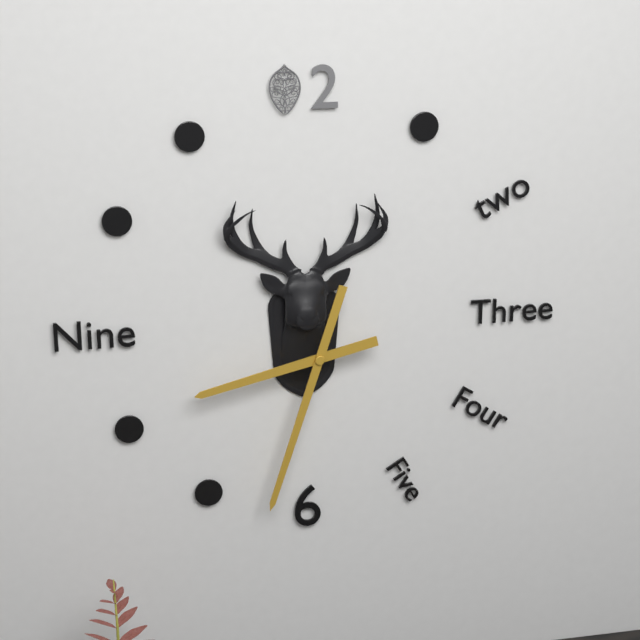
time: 8:33
